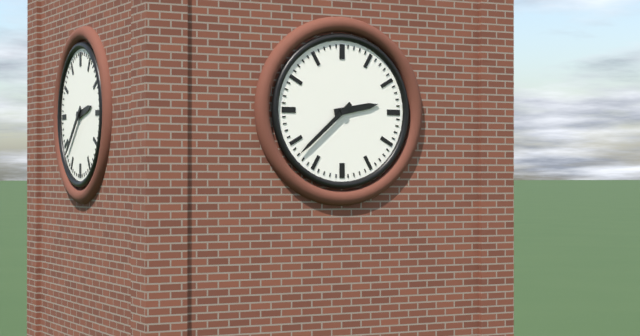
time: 2:38
